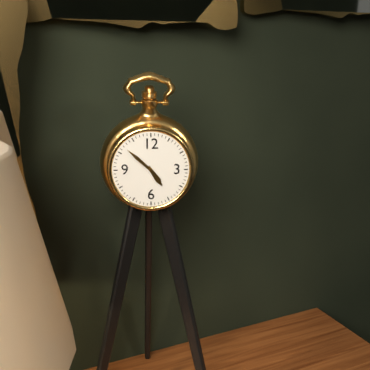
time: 4:52
